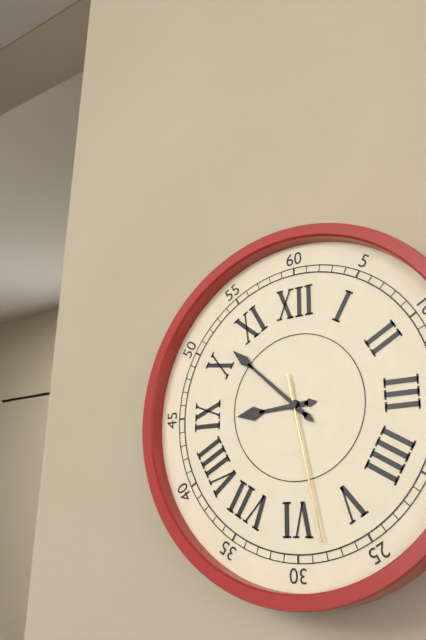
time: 8:52:28
